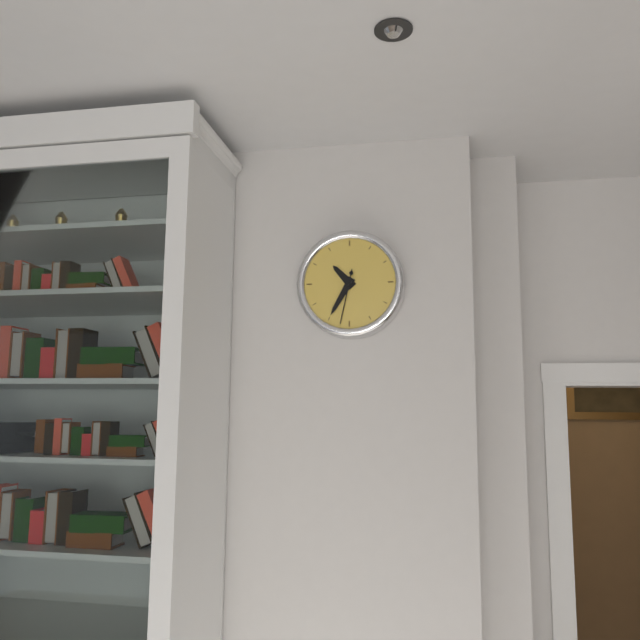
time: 10:35:32
